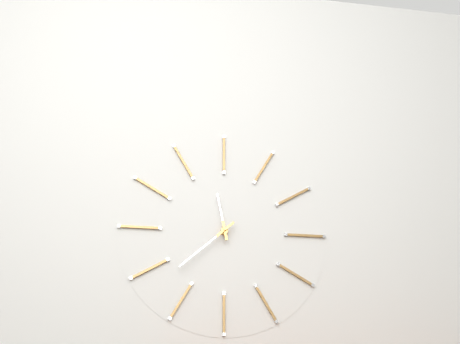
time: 11:38
